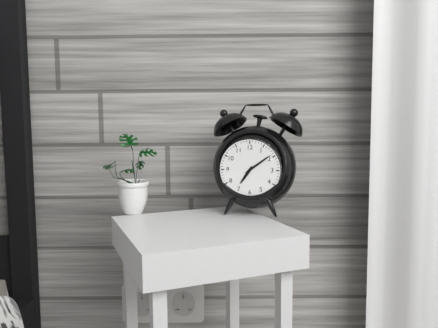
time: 7:09
